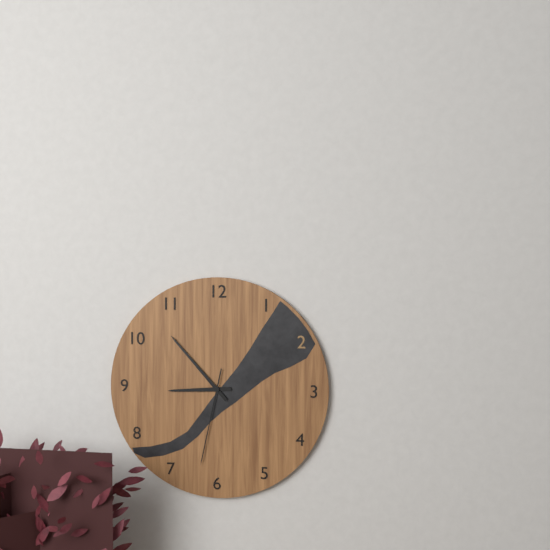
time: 8:53:32
